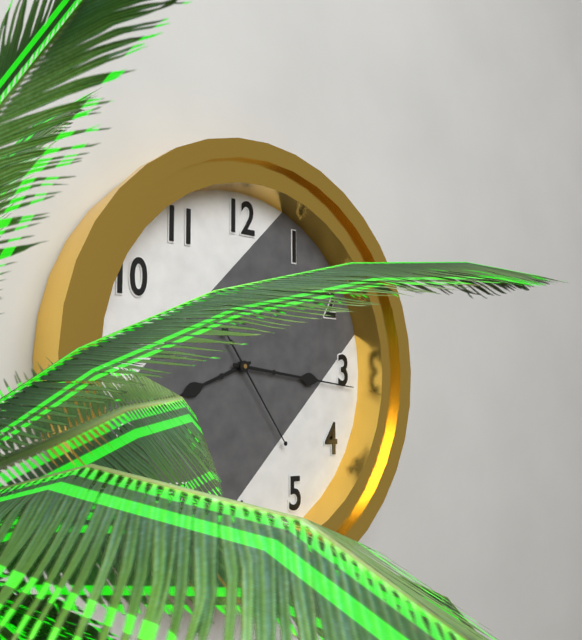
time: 8:16:24
